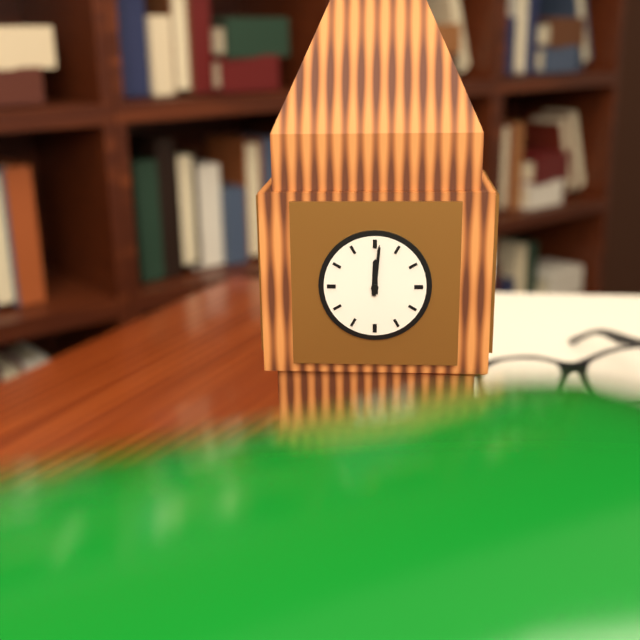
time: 12:01
